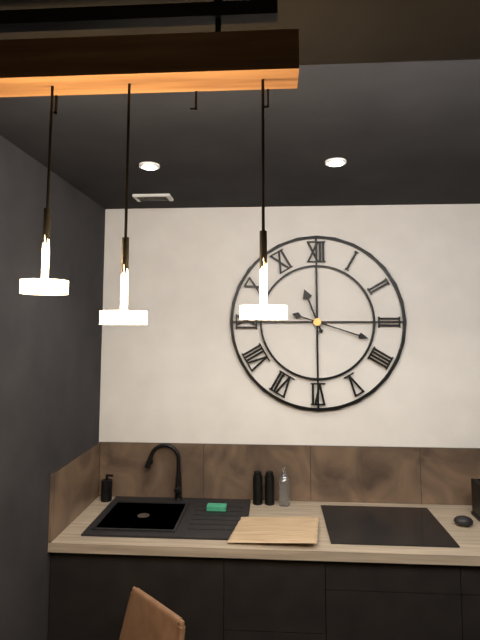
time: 11:18
